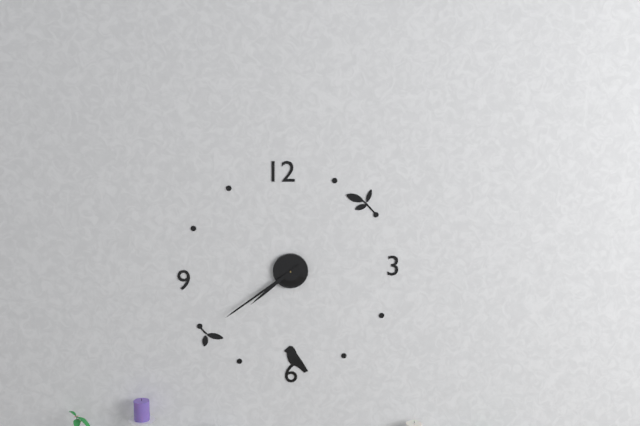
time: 7:39
